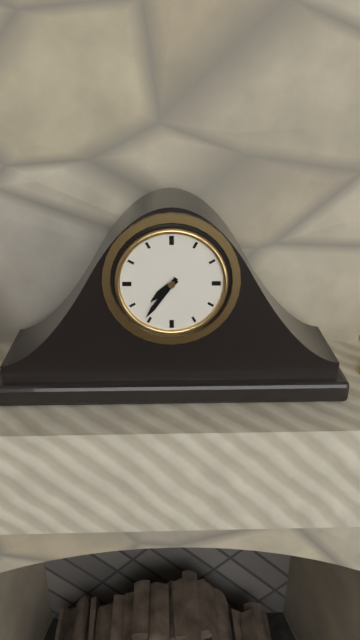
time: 7:36
